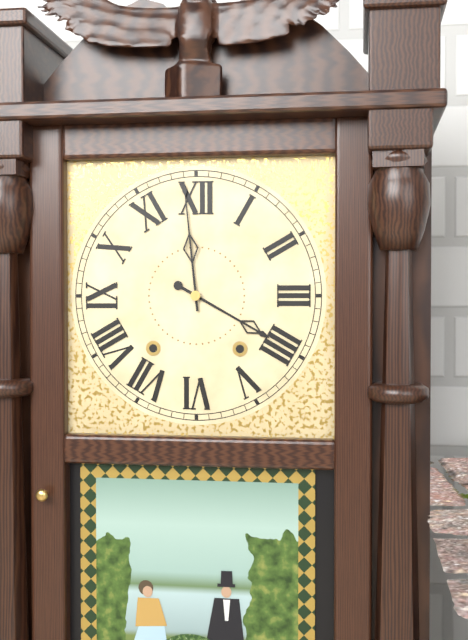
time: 3:59
